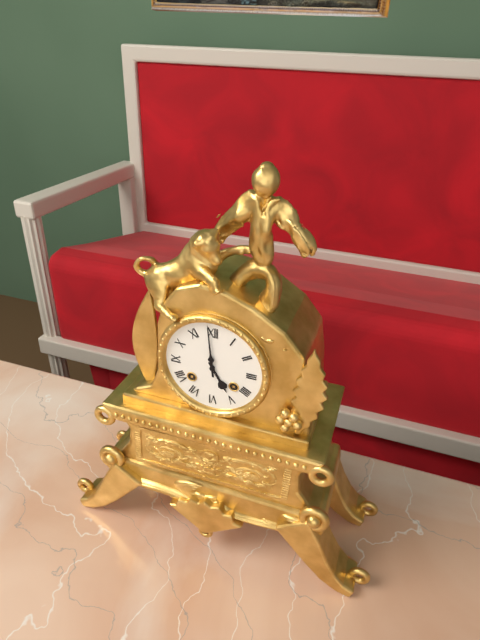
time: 4:59
